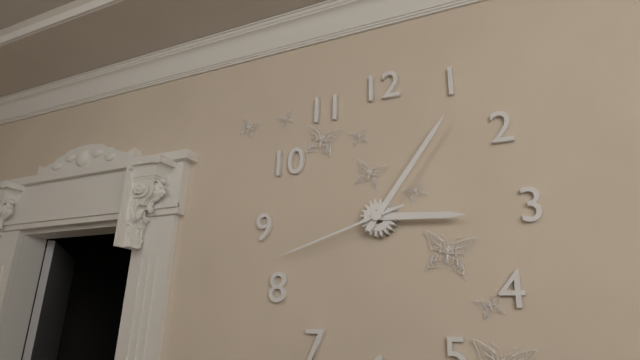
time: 3:06:42
